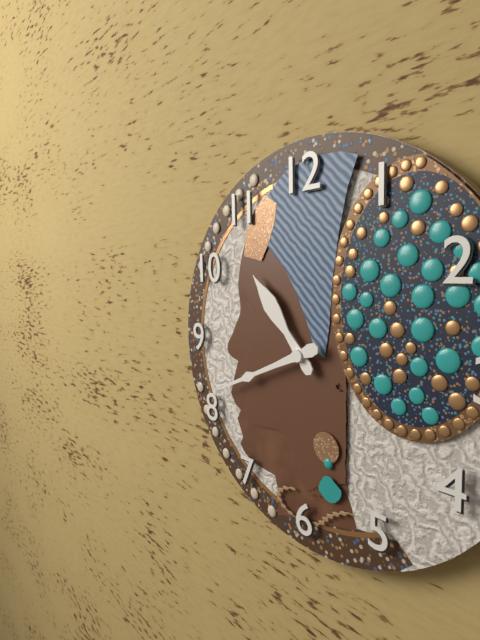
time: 10:41
